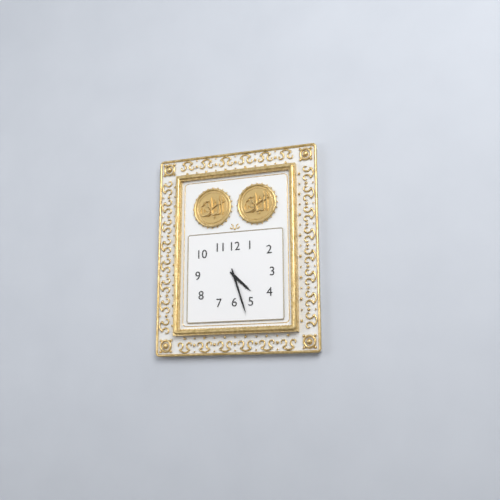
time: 4:27
